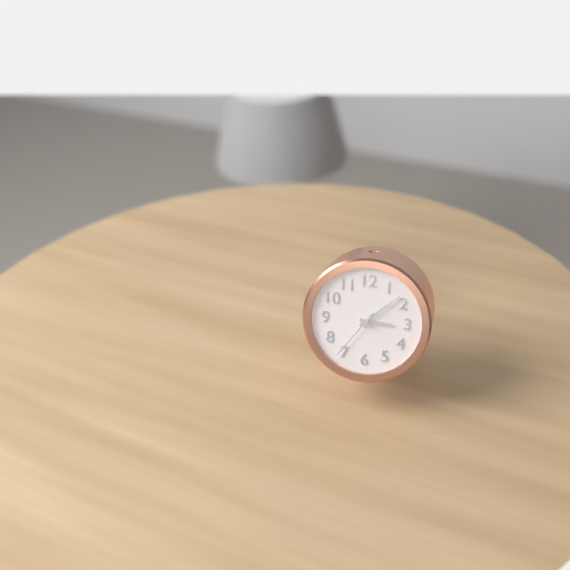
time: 3:08:36
